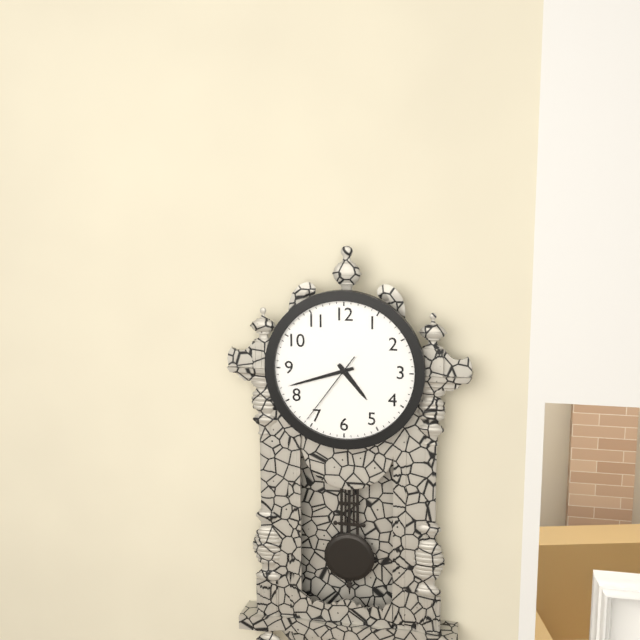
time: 4:42:36
